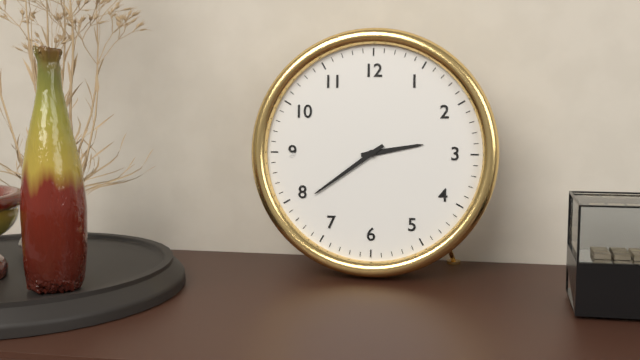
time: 2:39
